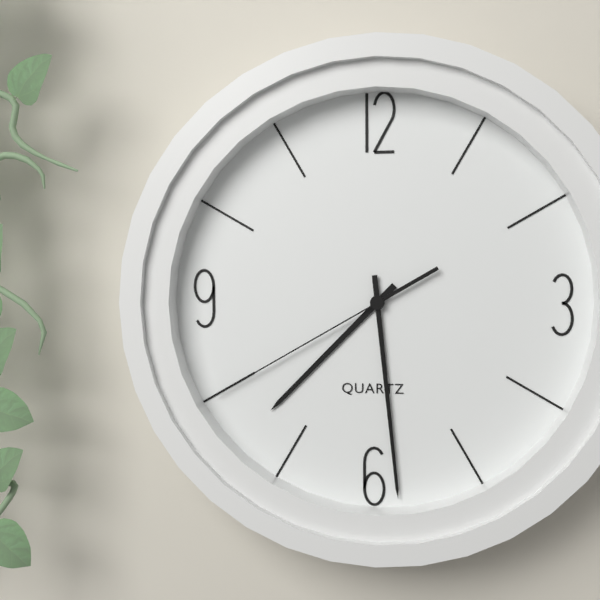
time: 7:29:40
